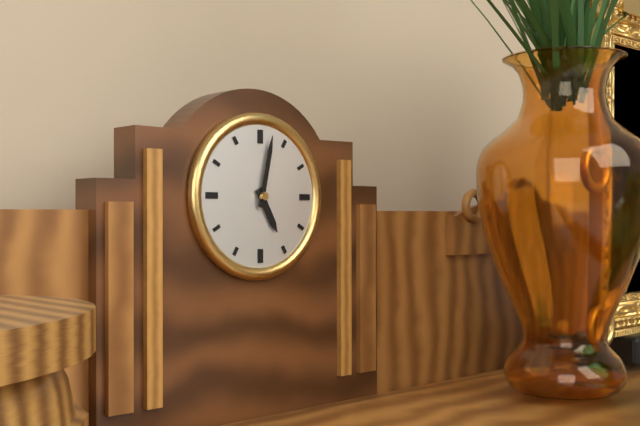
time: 5:02
